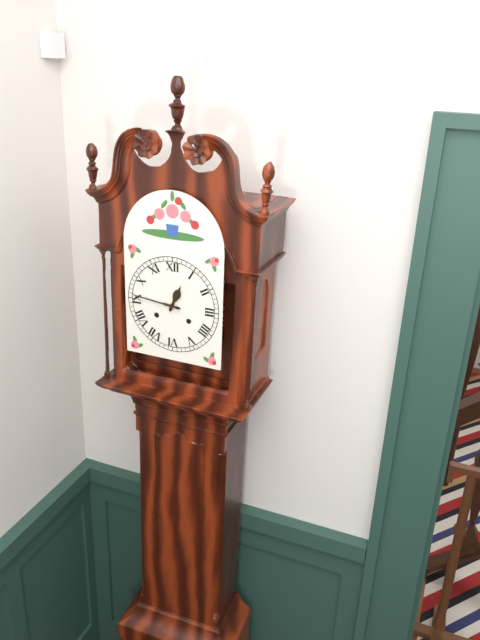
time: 12:46
